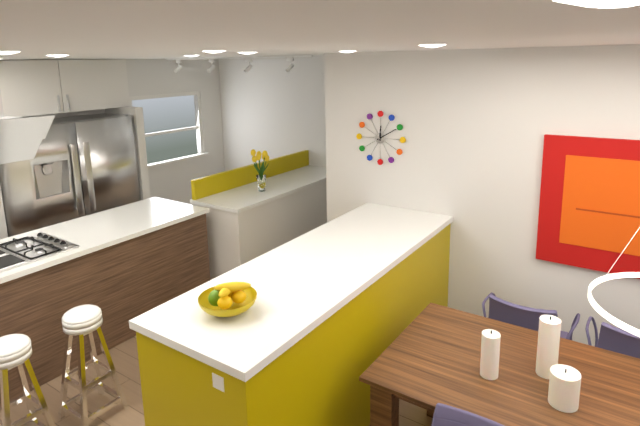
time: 12:10
